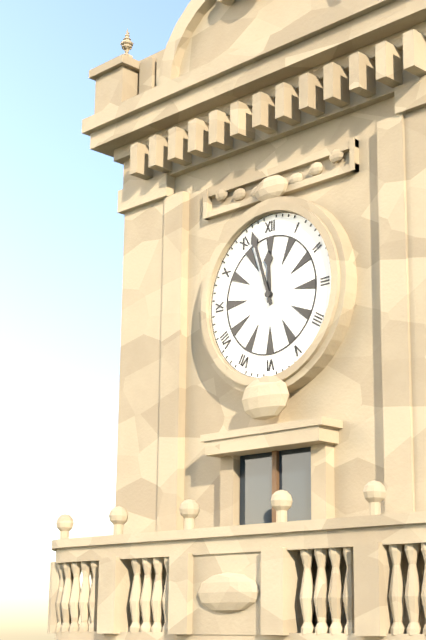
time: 11:57
